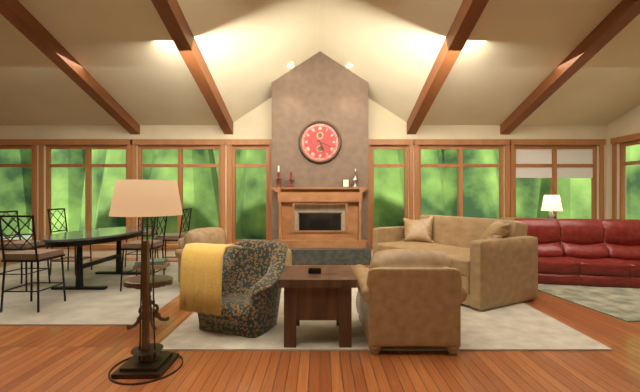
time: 5:19
